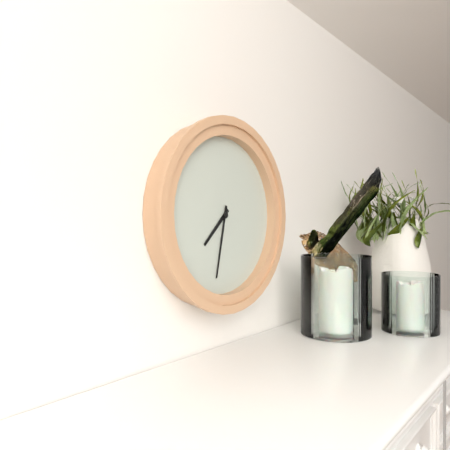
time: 7:32
